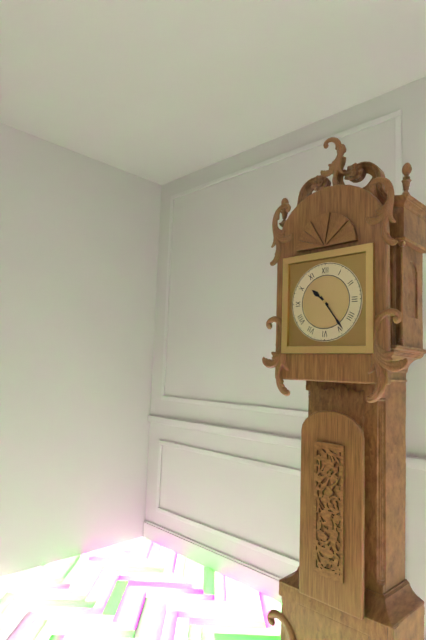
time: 10:24
